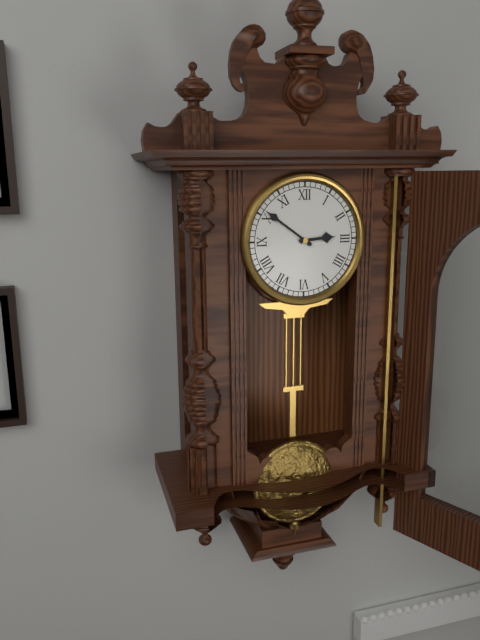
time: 2:51
